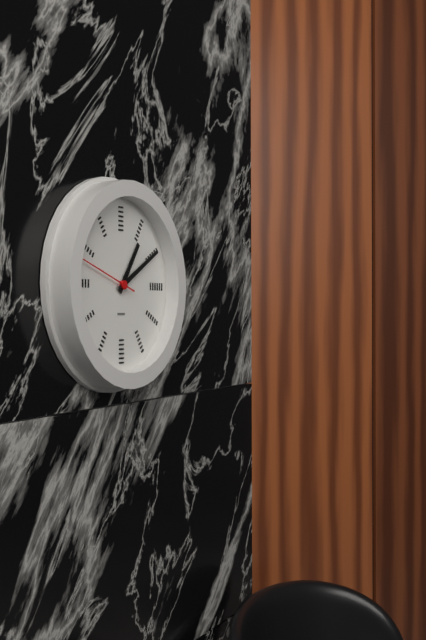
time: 1:10:48
